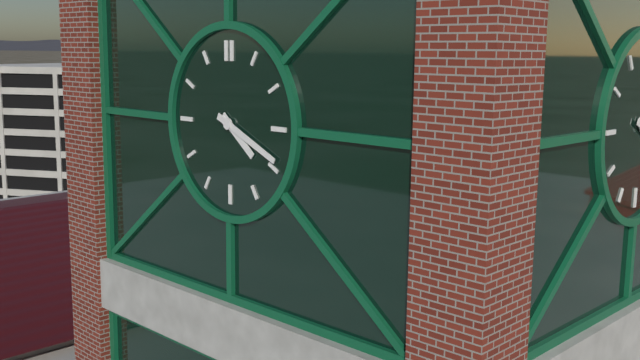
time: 4:19
